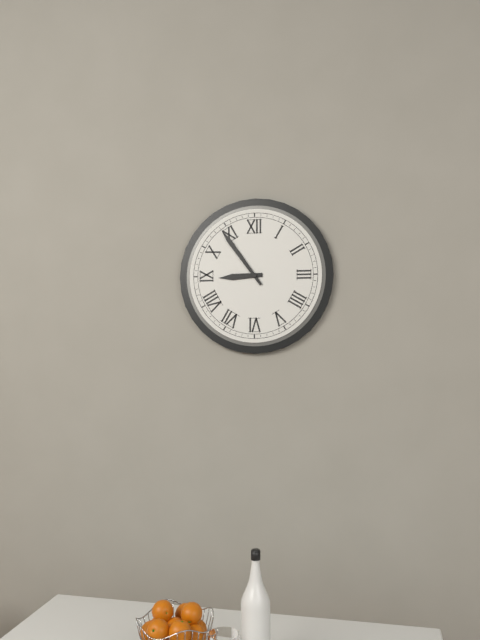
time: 8:54
